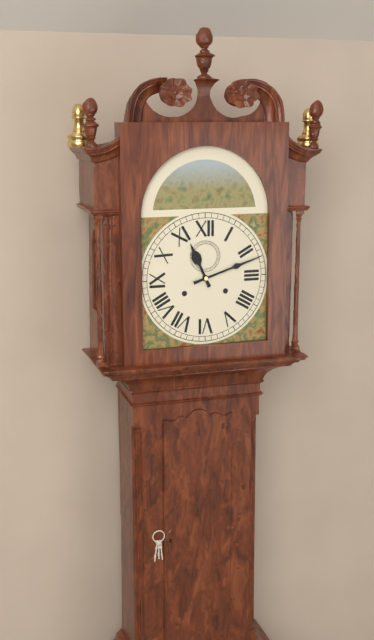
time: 11:12
